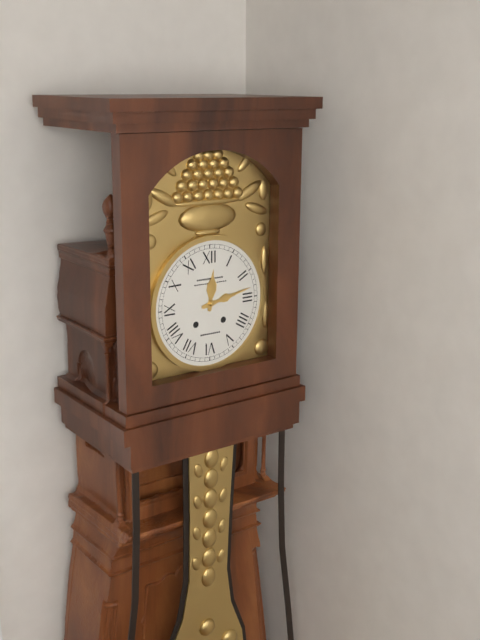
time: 12:13
